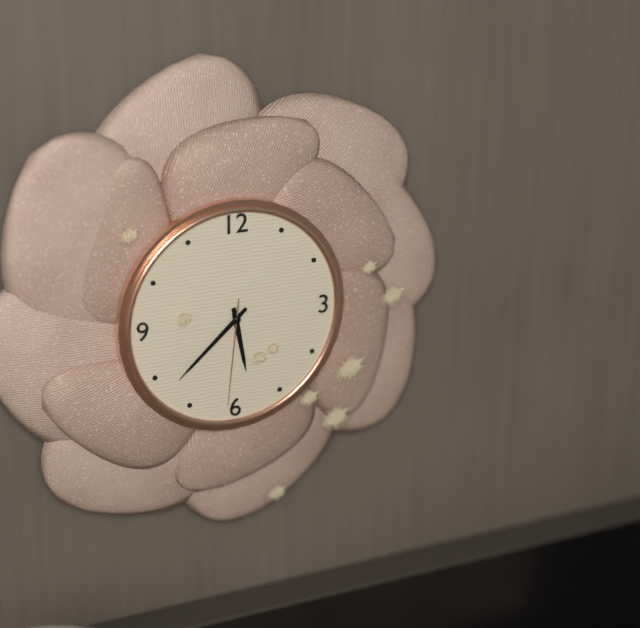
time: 5:38:31
